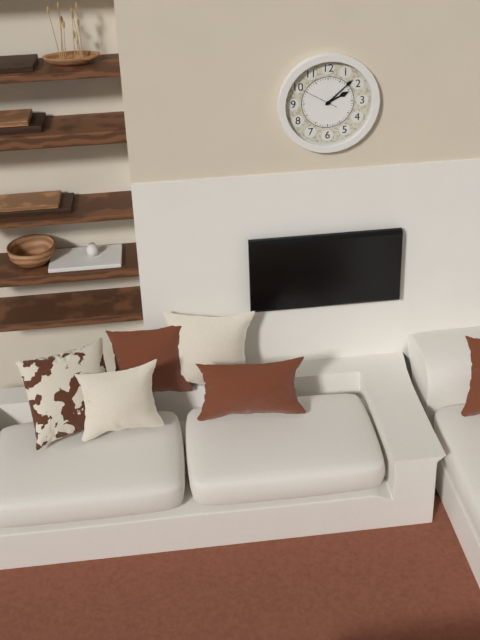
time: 2:08
